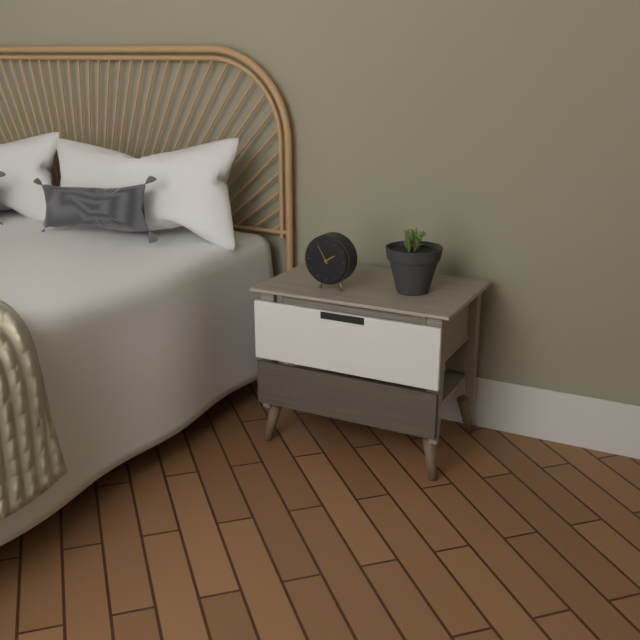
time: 1:55
